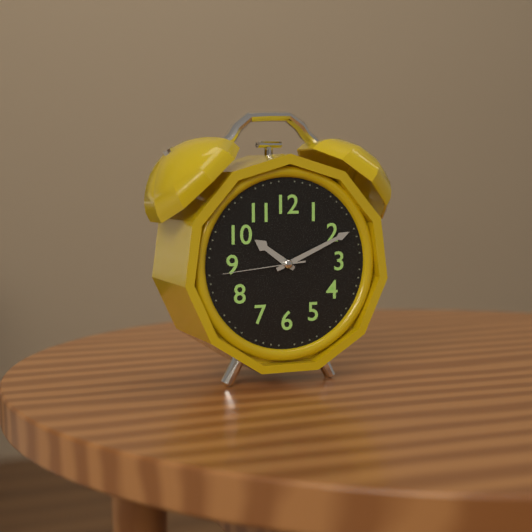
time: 10:11:44
